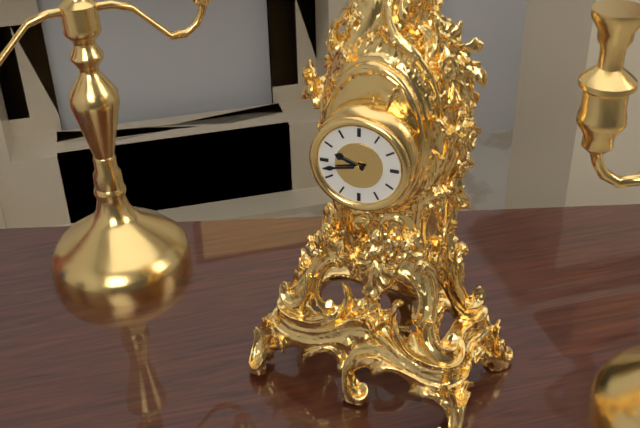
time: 9:43
